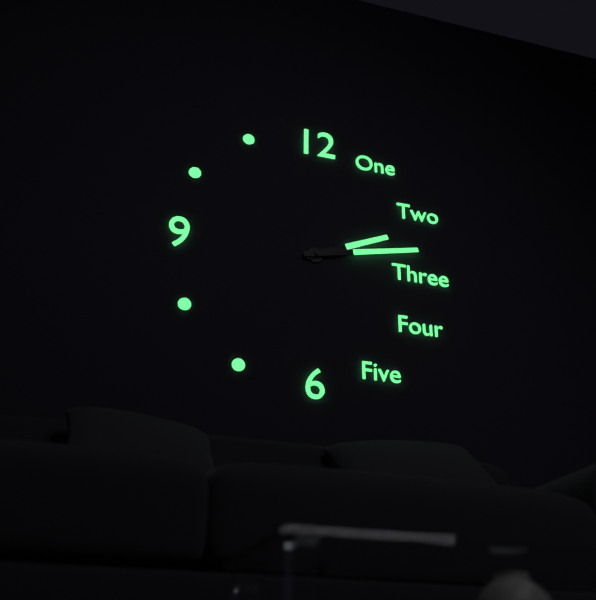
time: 2:13
